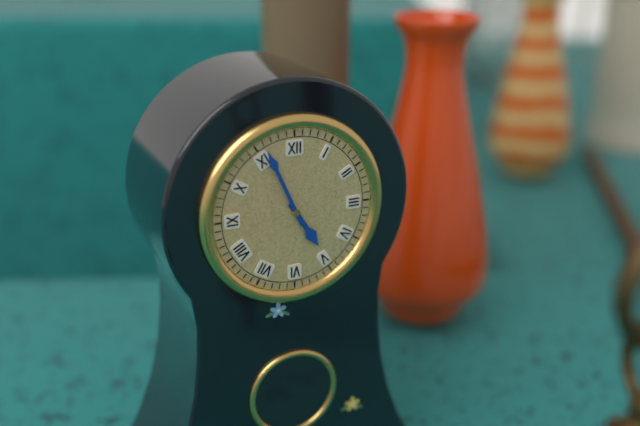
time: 4:56
